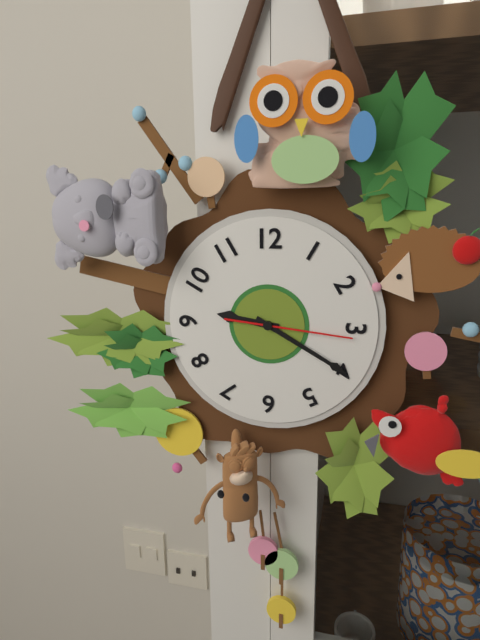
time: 9:20:16
